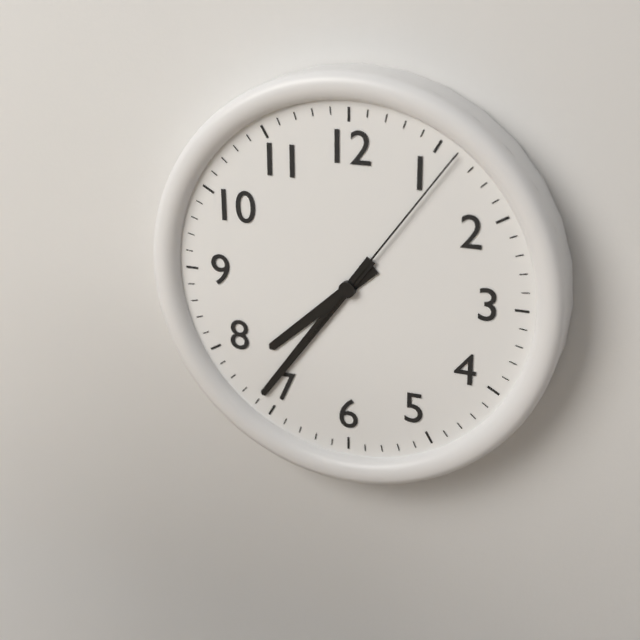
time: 7:36:06
